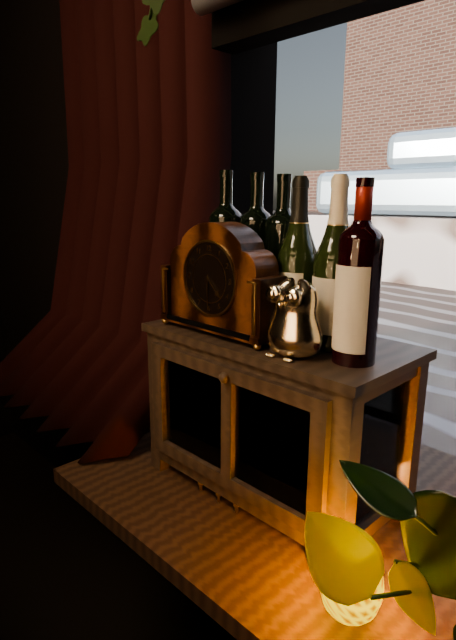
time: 4:30
